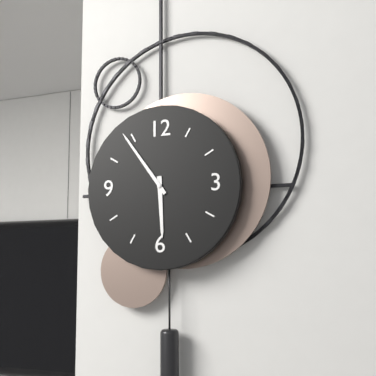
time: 5:54
